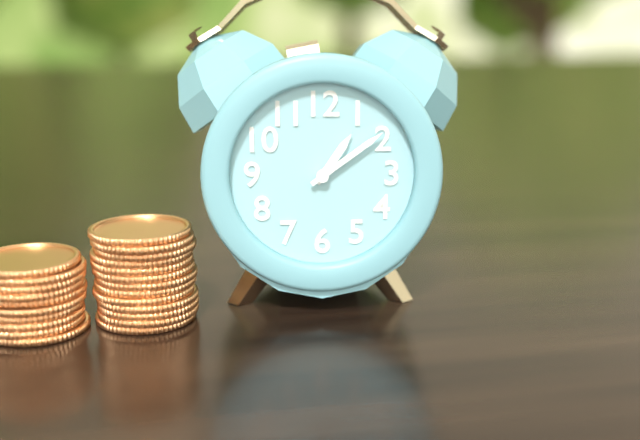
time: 1:09
